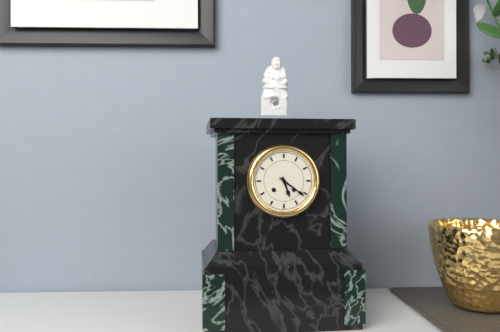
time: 5:21
